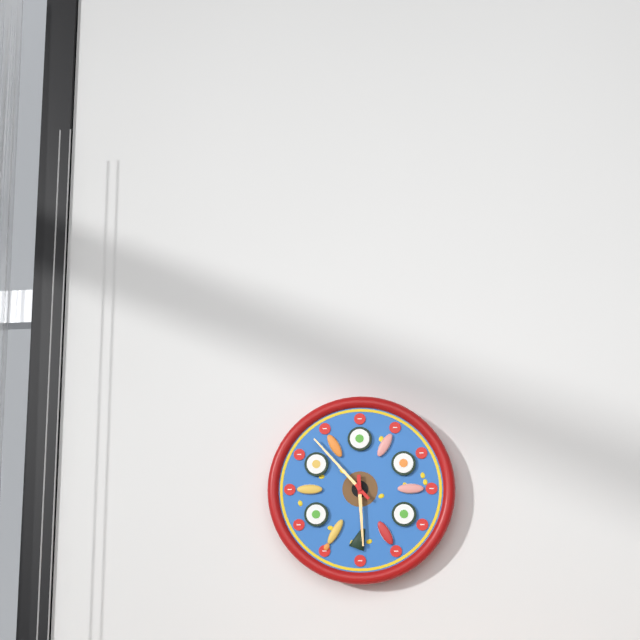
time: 5:53
